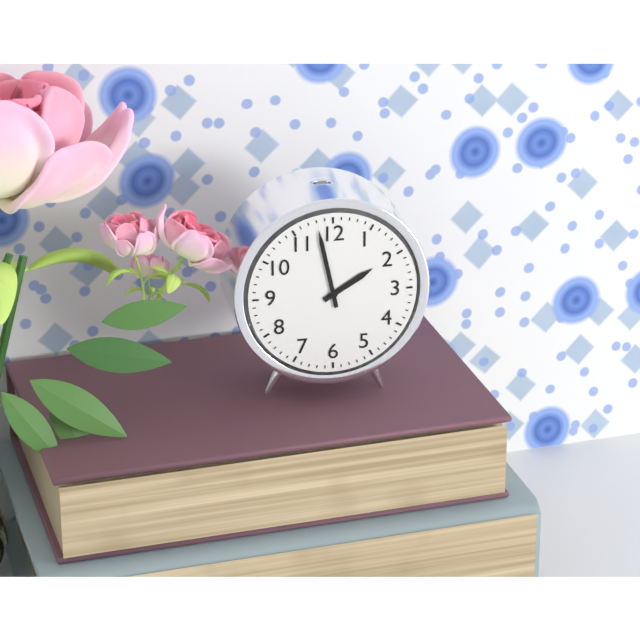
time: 1:58
